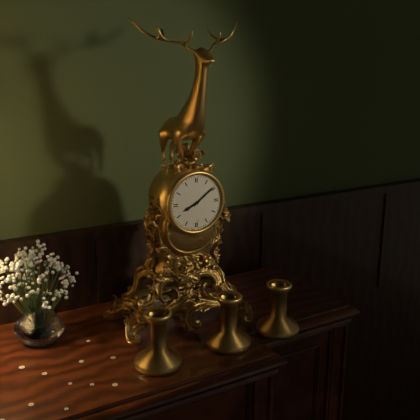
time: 8:09
